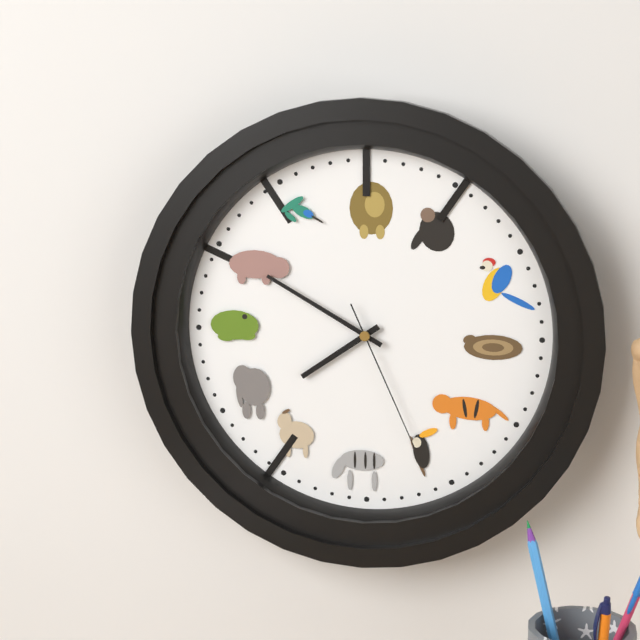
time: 7:50:26
